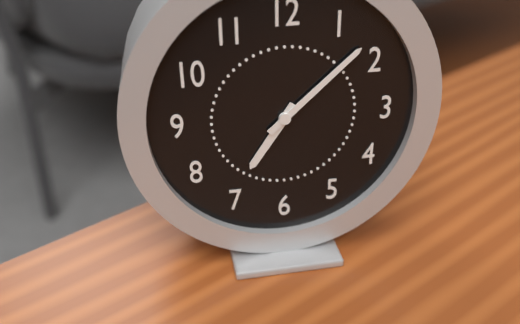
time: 7:08
